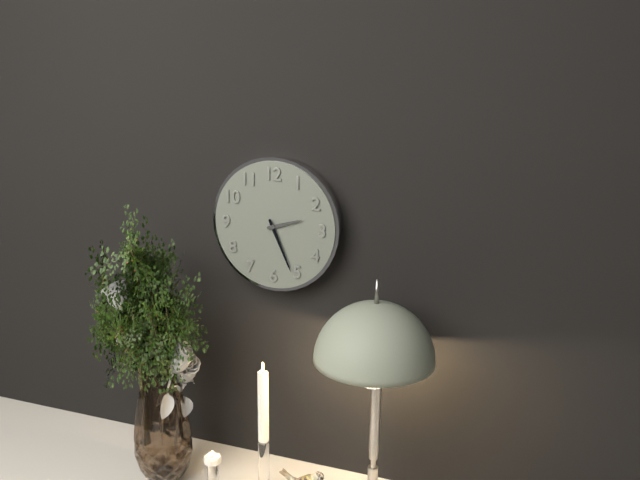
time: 2:26
